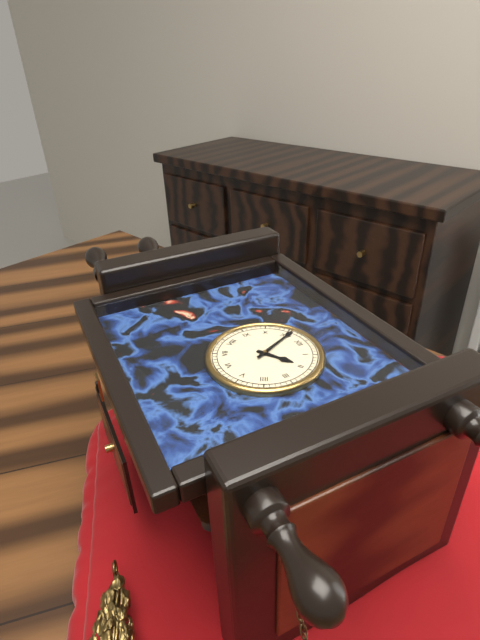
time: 1:56
